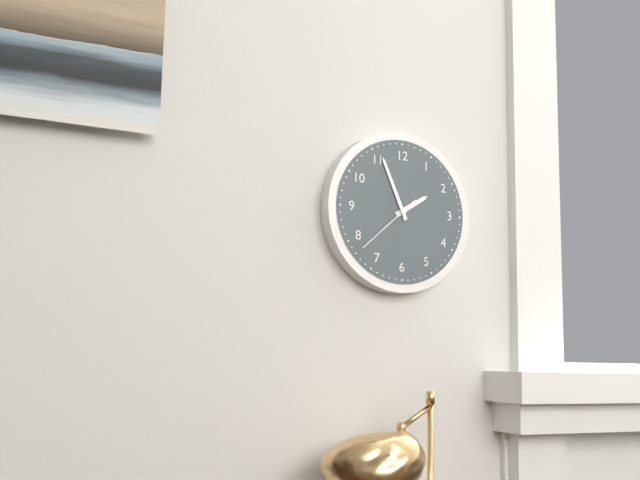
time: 1:56:38
